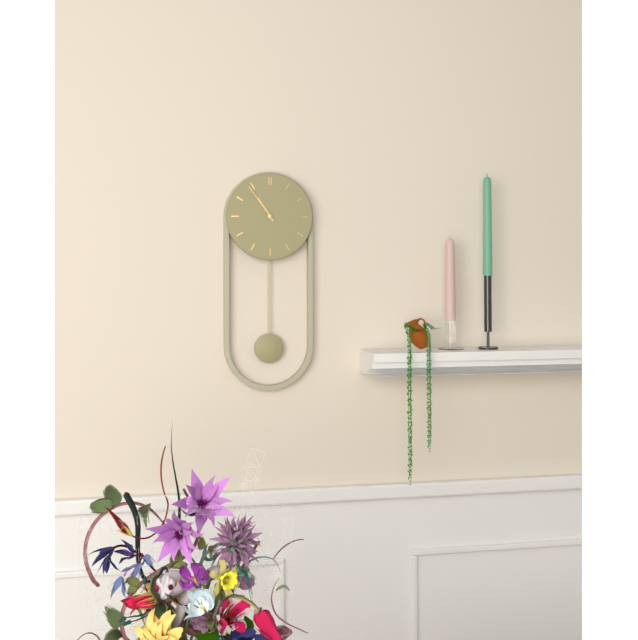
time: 10:54
